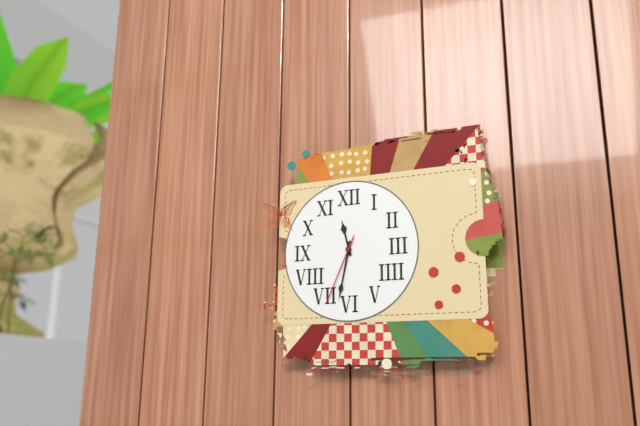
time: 11:32:34
